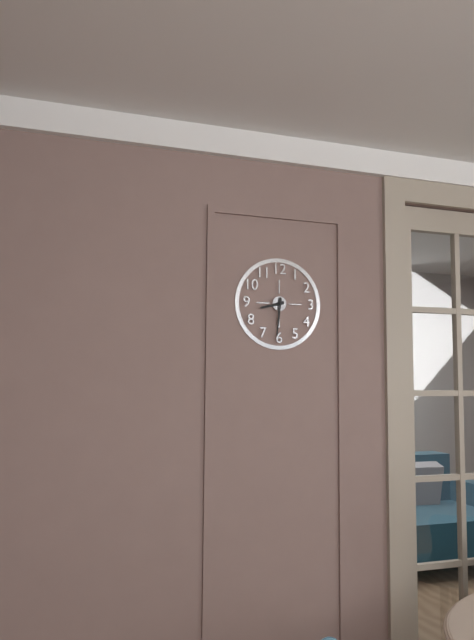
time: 8:31
